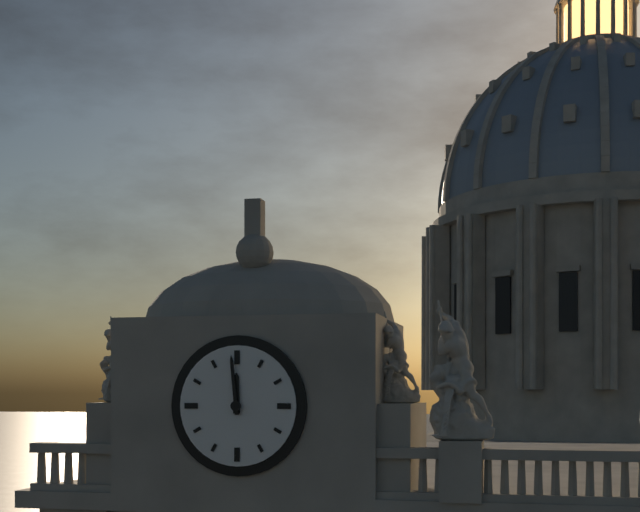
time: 11:59
